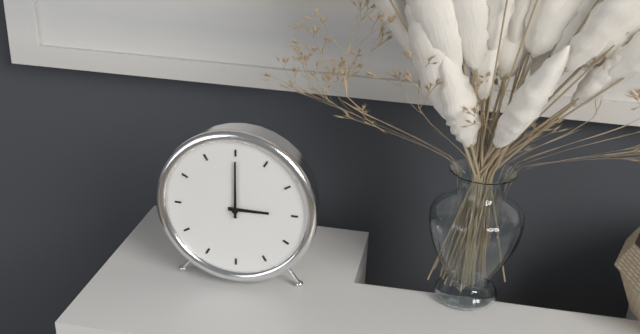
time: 3:00
